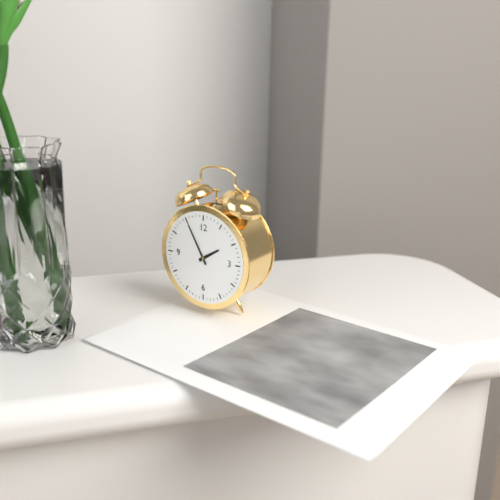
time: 1:55
